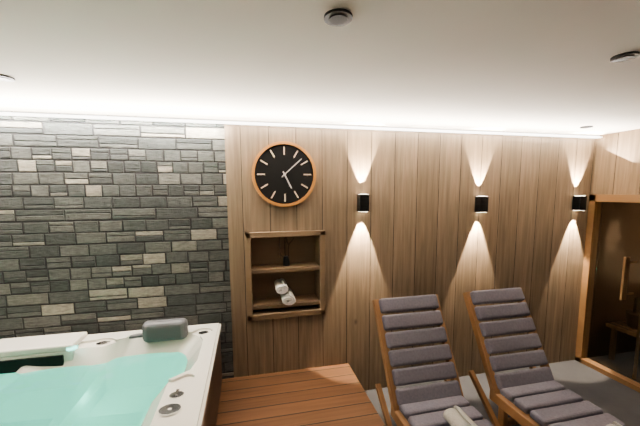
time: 5:08
